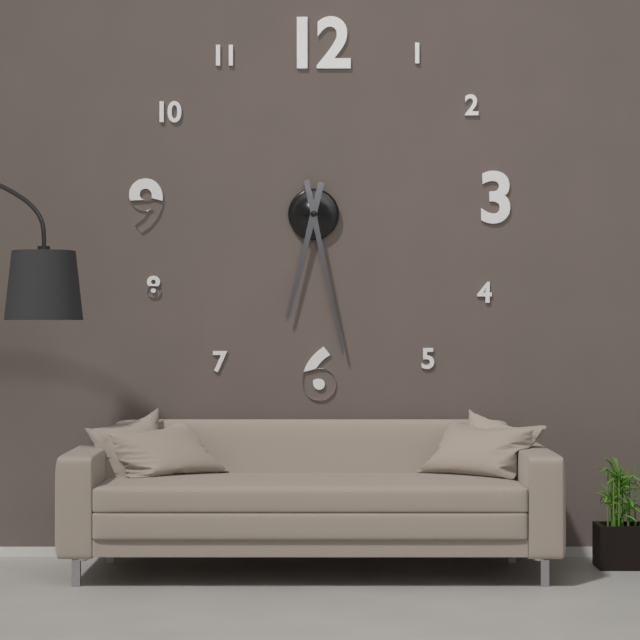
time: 6:28
